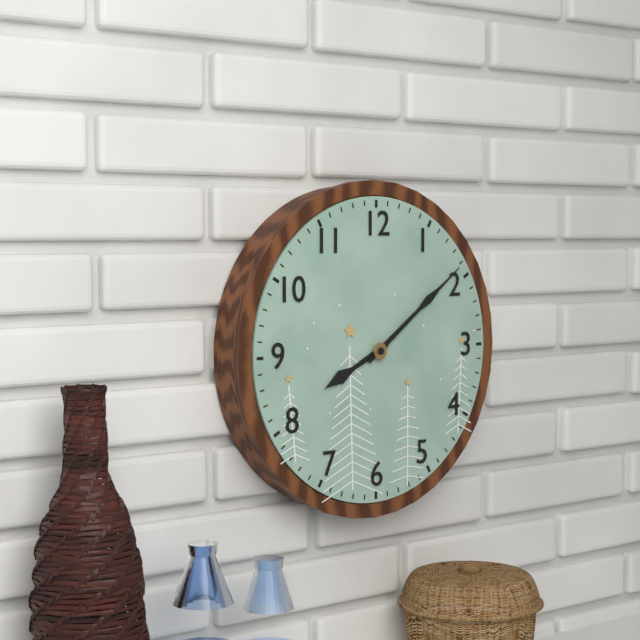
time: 8:09
